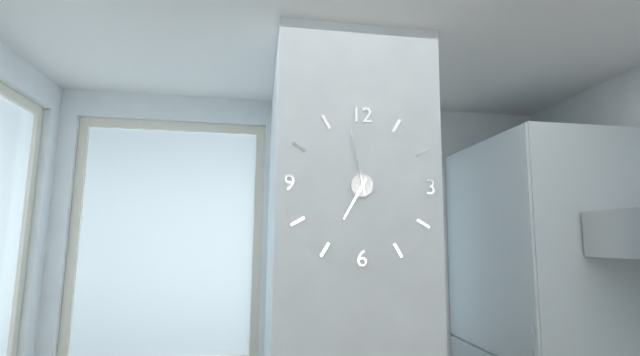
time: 6:58
